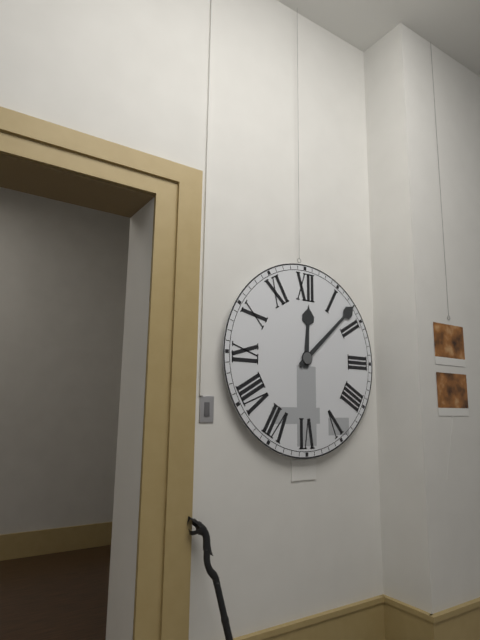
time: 12:08
